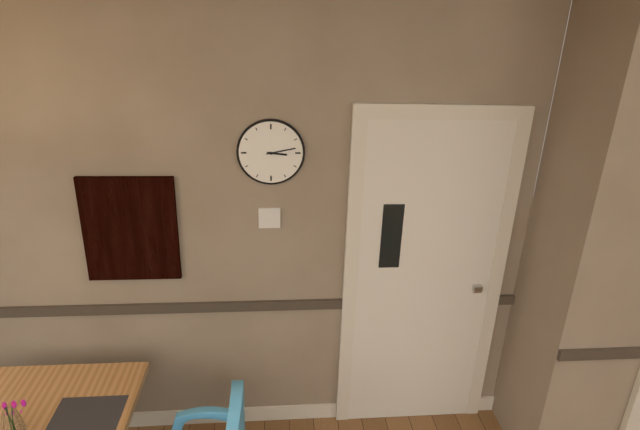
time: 3:13
